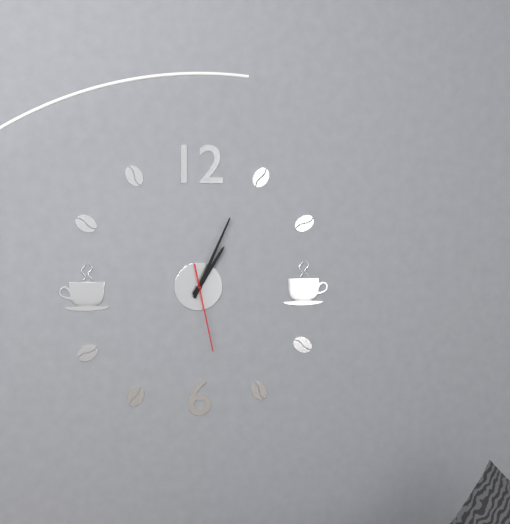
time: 1:04:28
